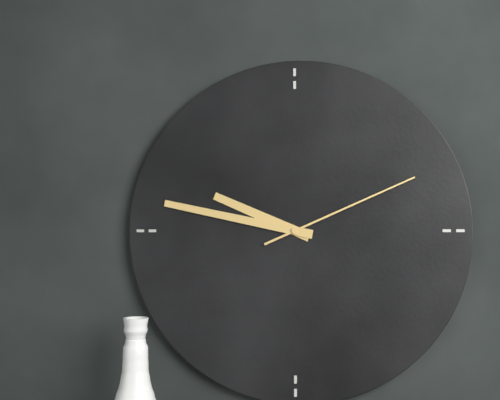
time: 9:47:11
